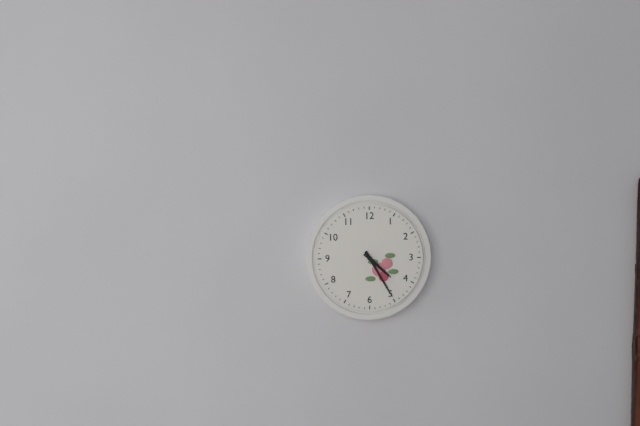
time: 4:25
